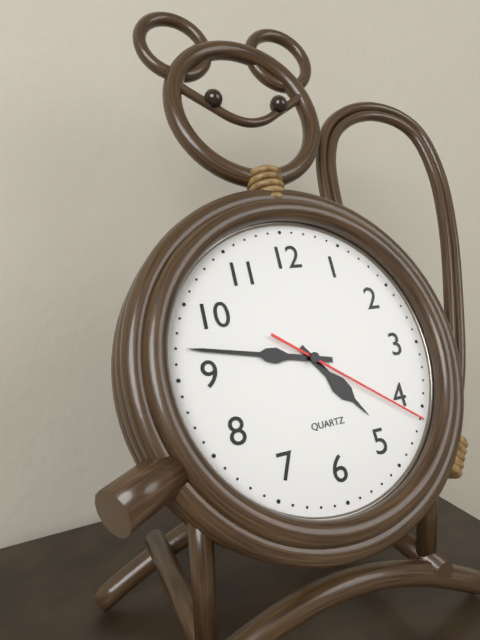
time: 4:47:21
